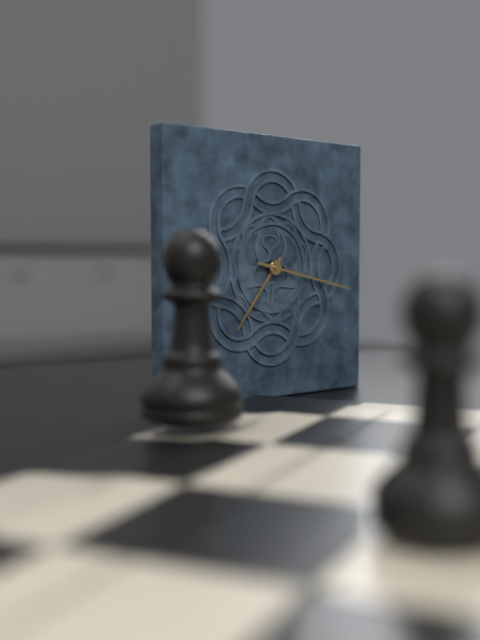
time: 7:17
